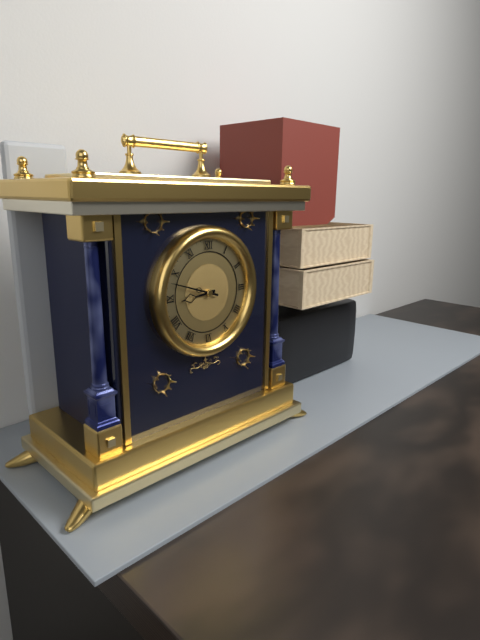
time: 8:48
